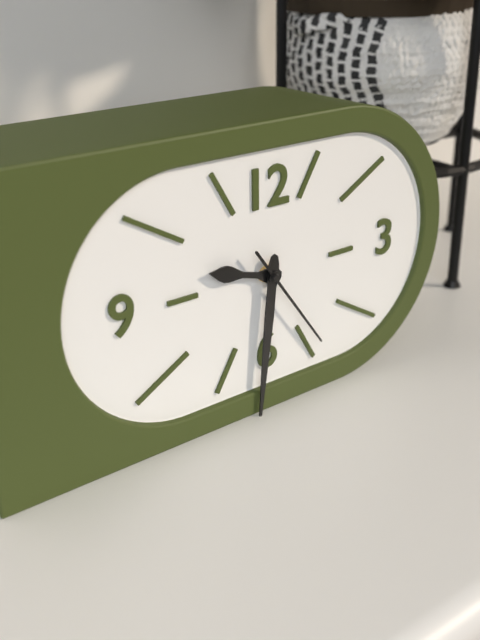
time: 9:31:24
